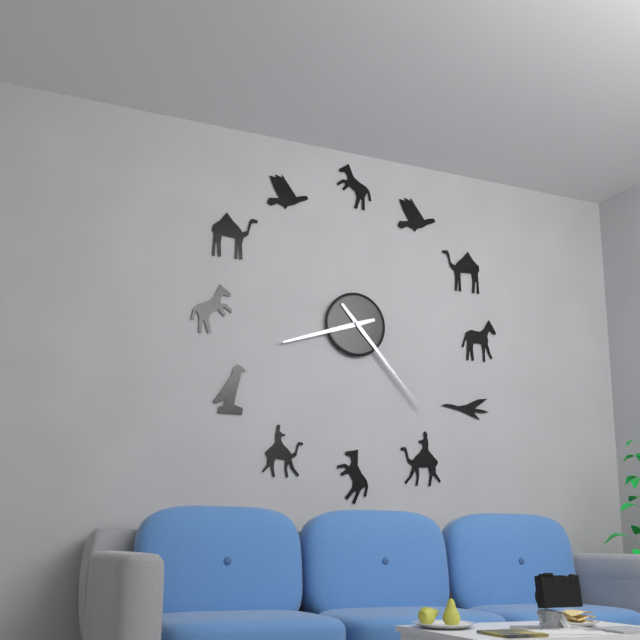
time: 8:23
